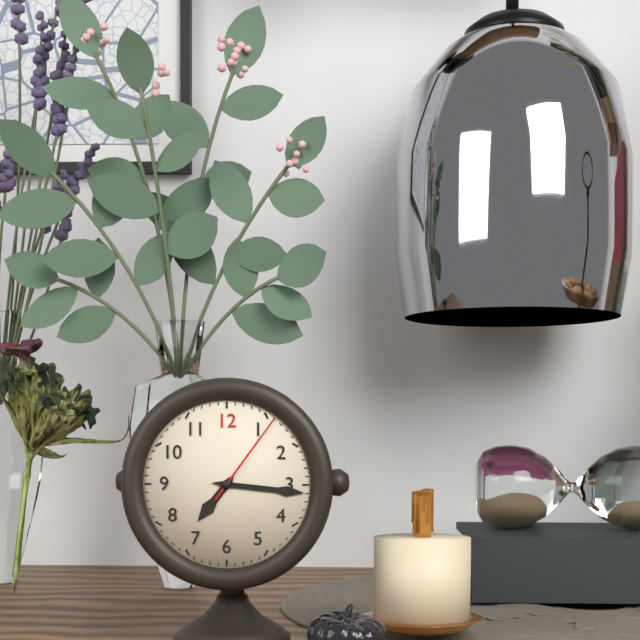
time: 7:16:06
